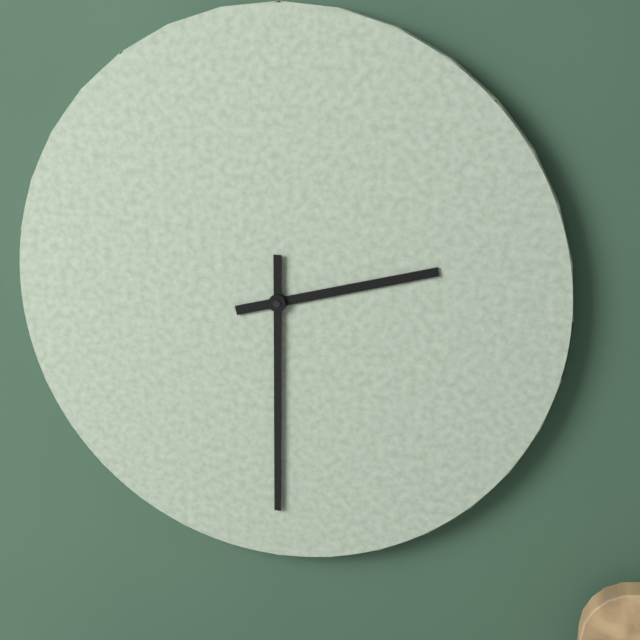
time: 2:30
